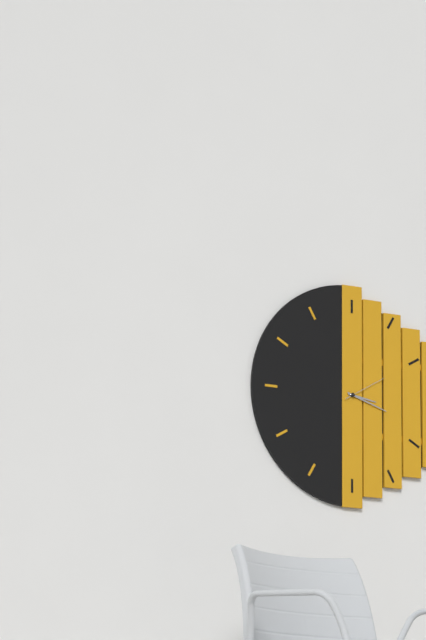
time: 3:18:10
